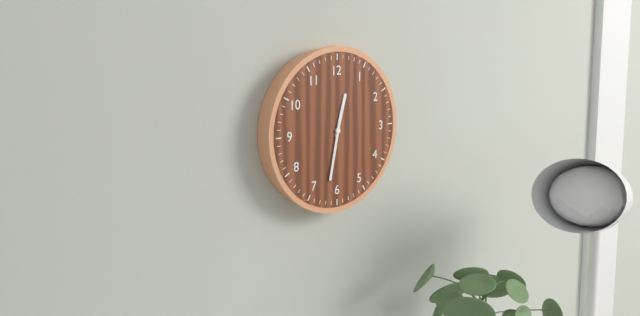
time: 12:32
